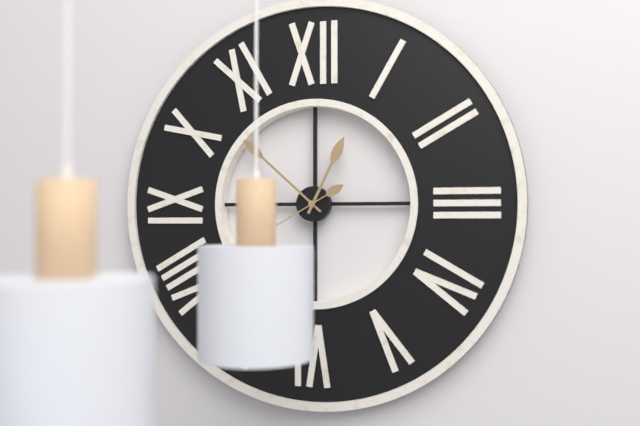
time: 12:52
